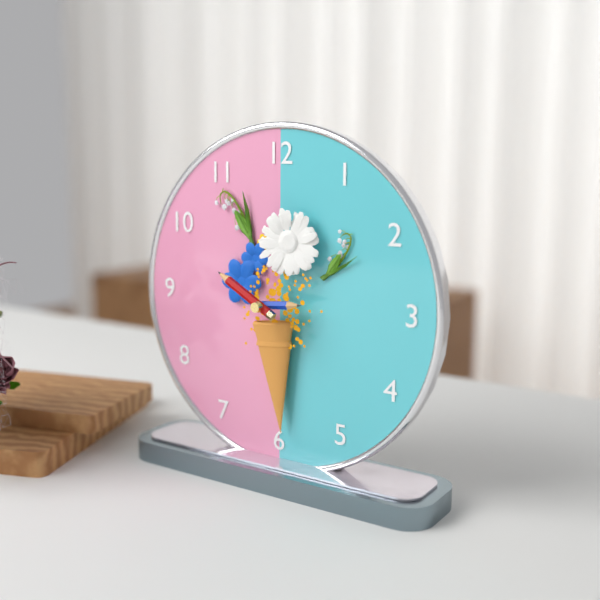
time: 2:50
